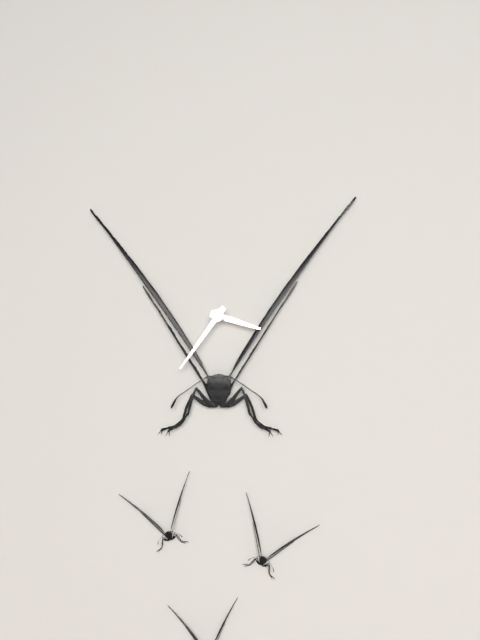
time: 3:36
